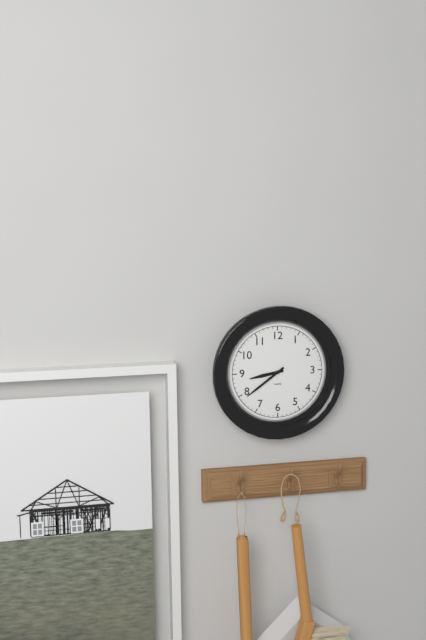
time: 8:39
